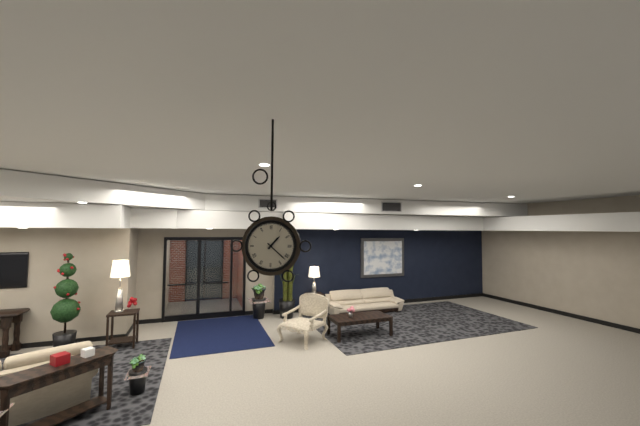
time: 1:22
